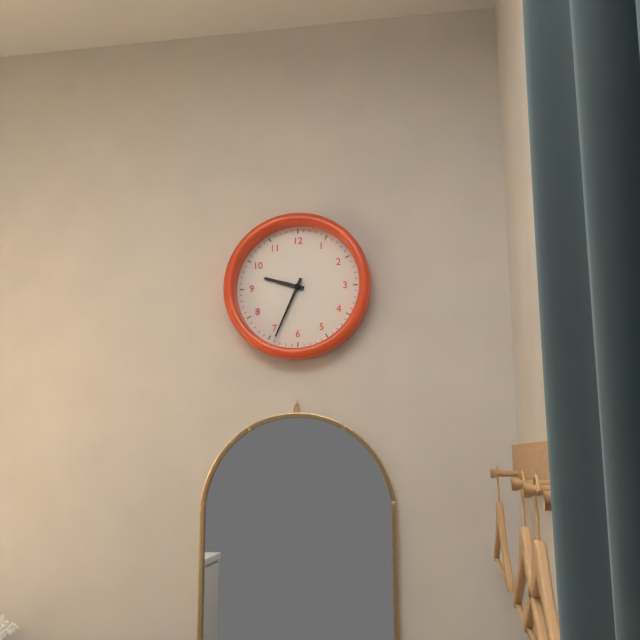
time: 9:34
